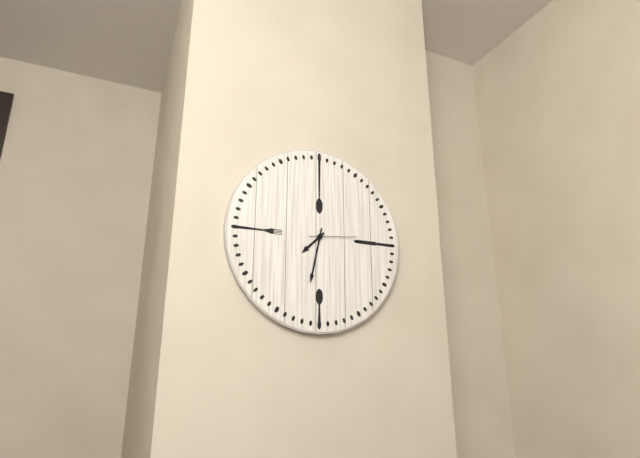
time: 7:32
